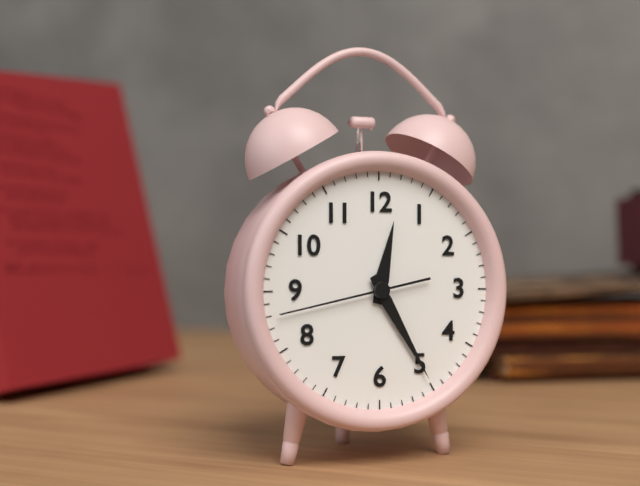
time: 12:25:43
